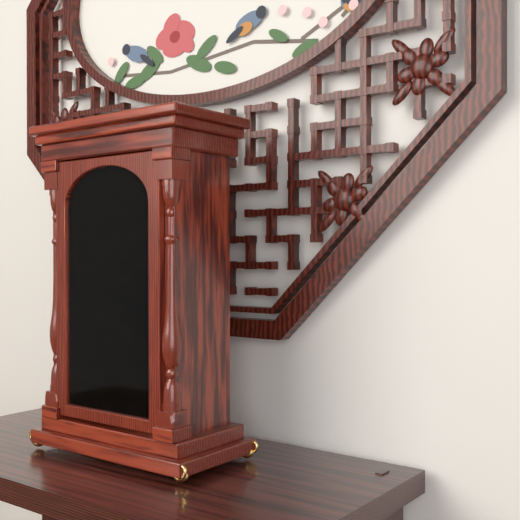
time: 10:07
